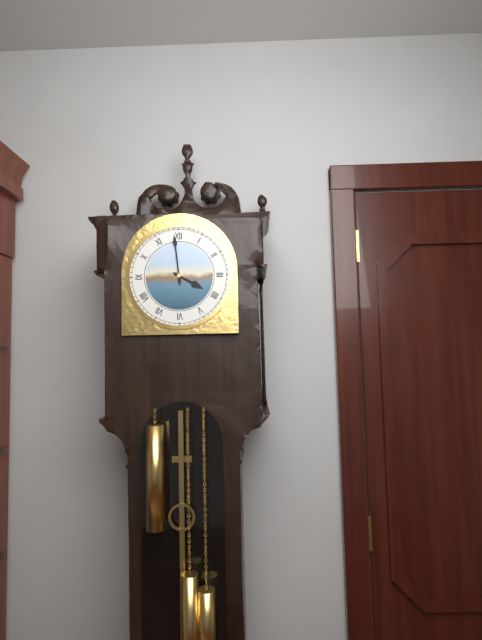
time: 3:59
